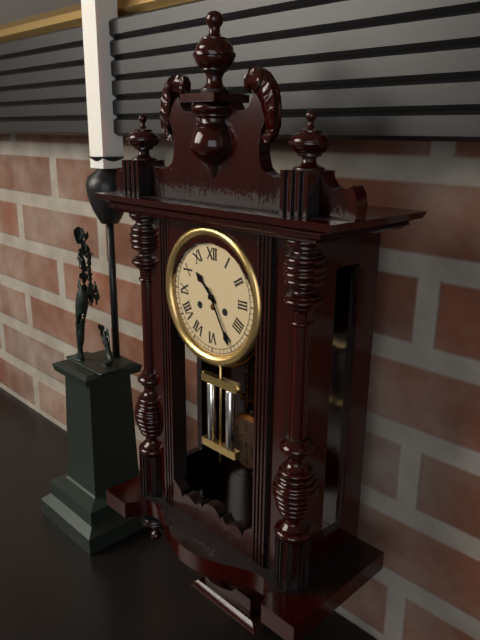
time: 10:25
